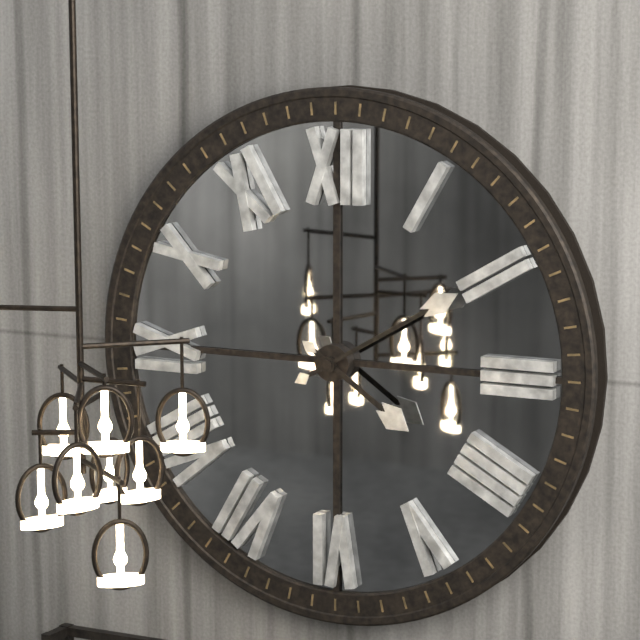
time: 4:10
